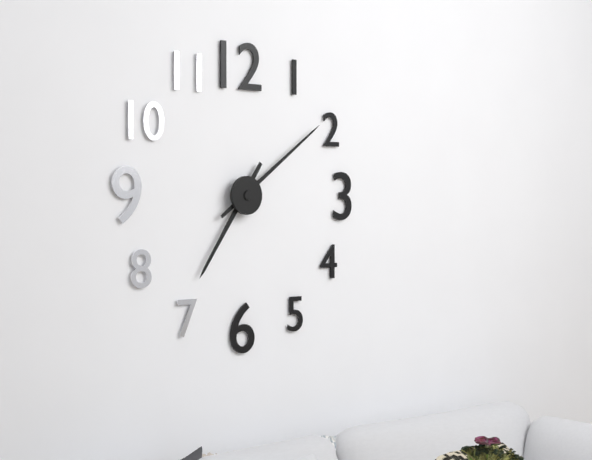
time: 7:09
